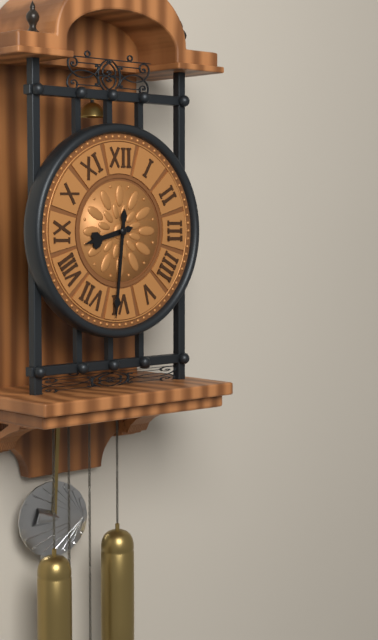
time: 8:31
